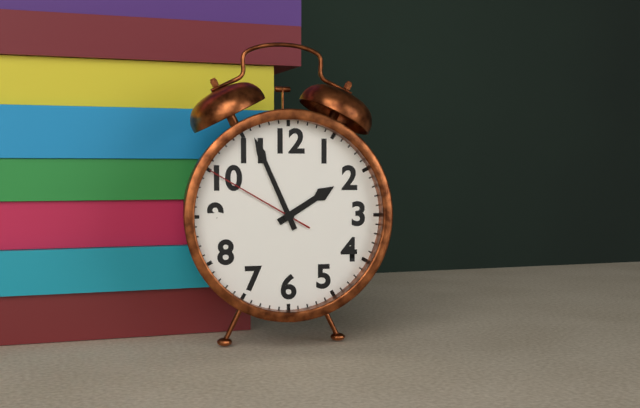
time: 1:56:50
